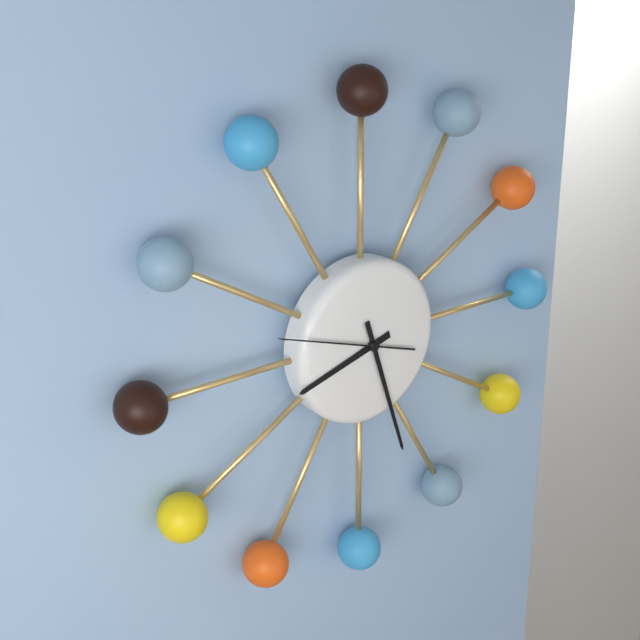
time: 8:27:48
